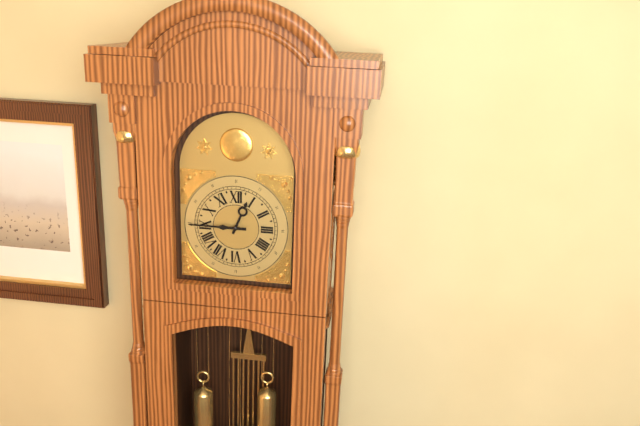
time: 12:45
